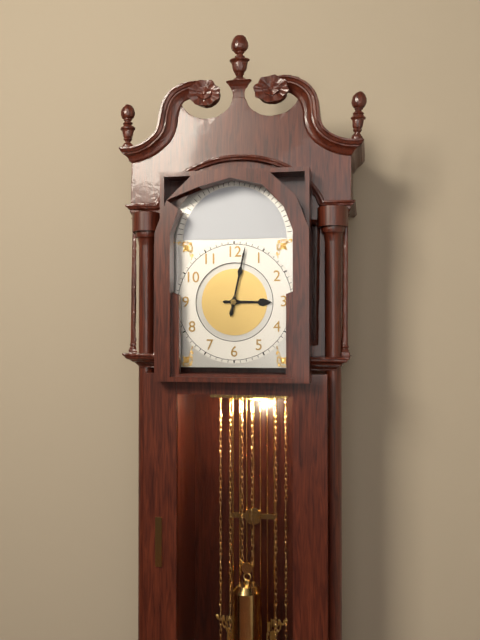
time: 3:02
